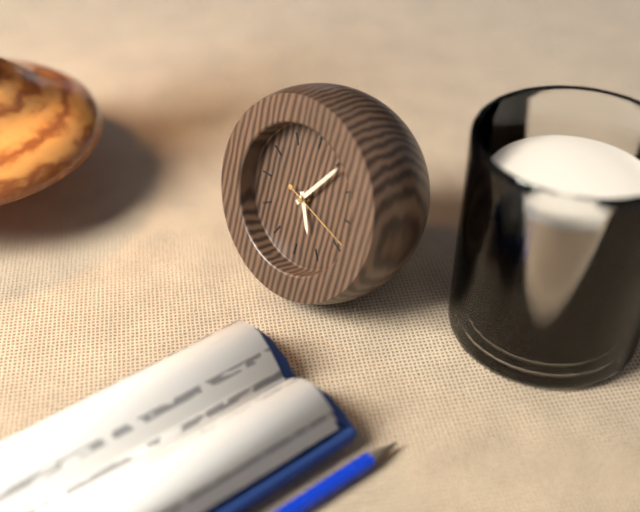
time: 5:06:18
